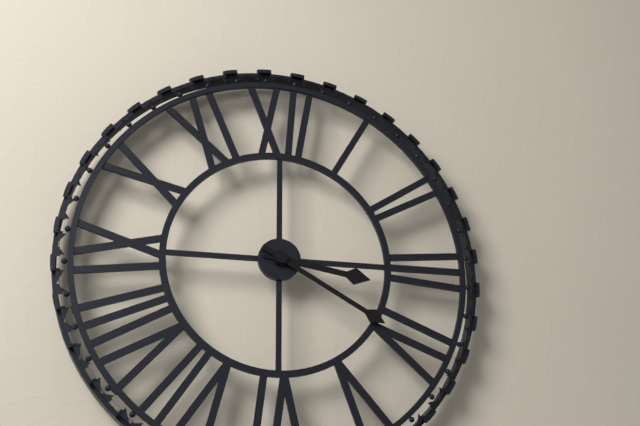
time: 3:20
